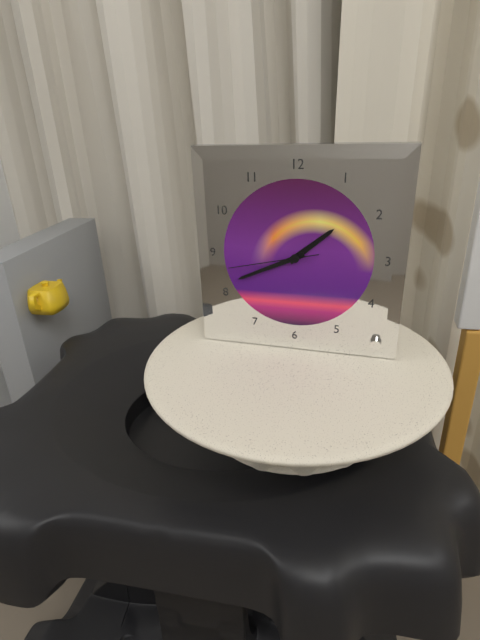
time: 1:41:43
